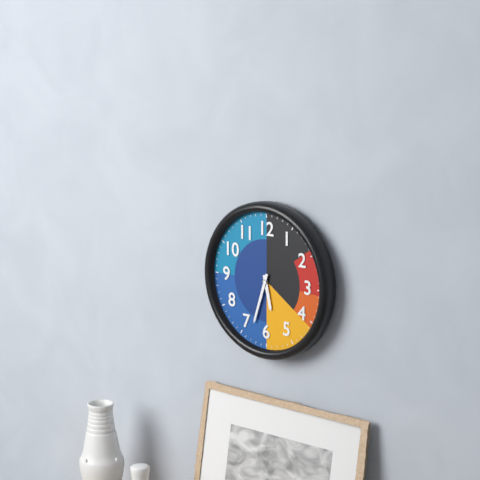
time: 5:33
